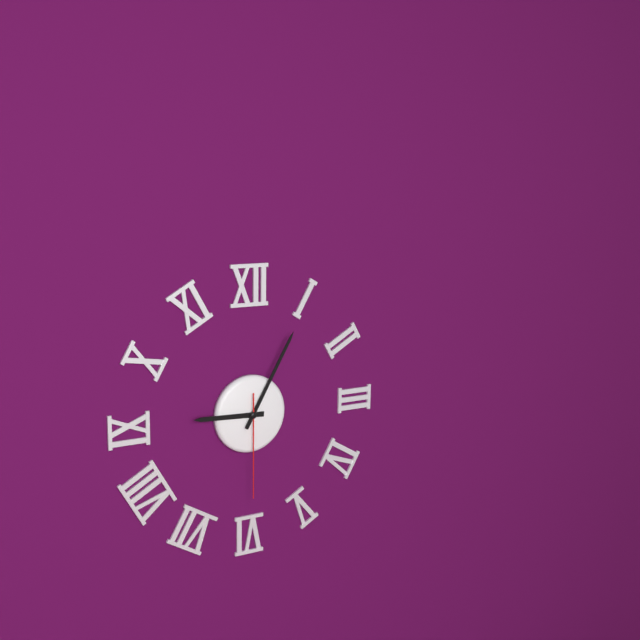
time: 9:05:30
